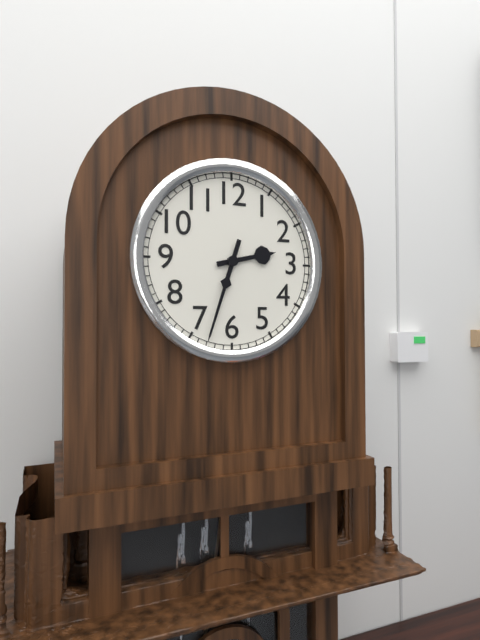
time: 2:33
